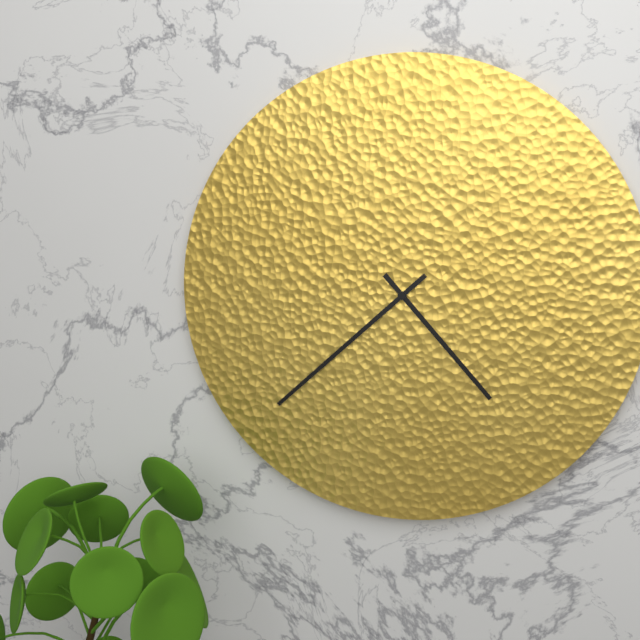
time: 4:38
